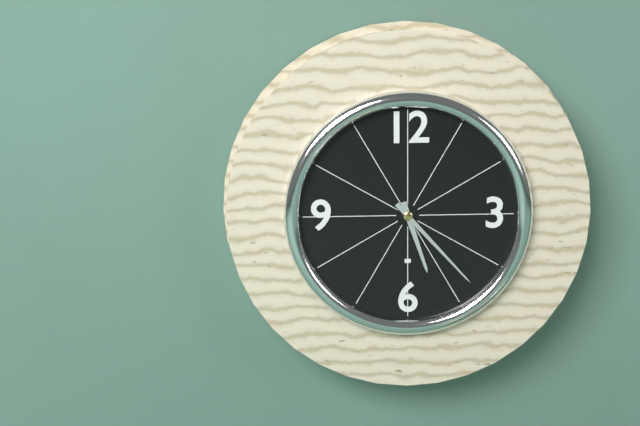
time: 5:23
